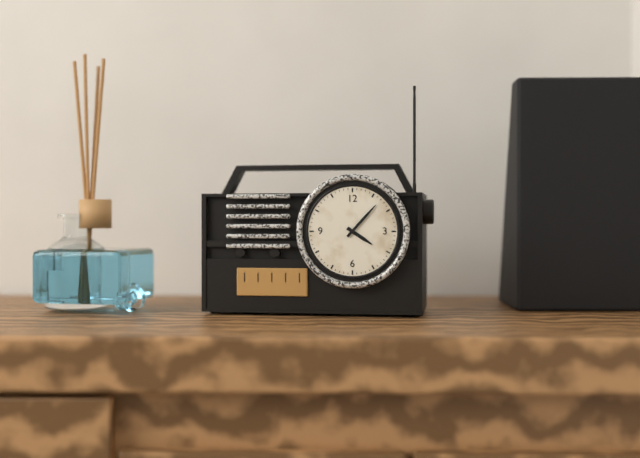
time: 4:07
